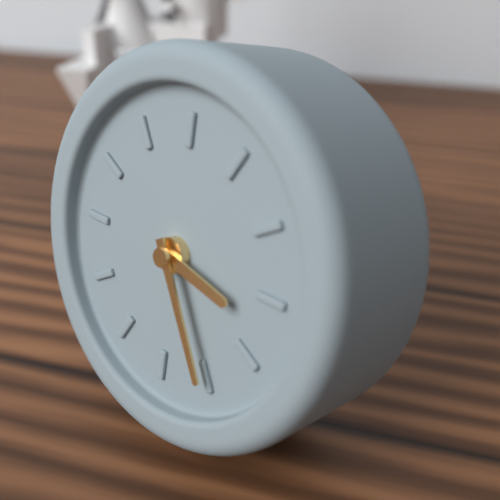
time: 3:25
